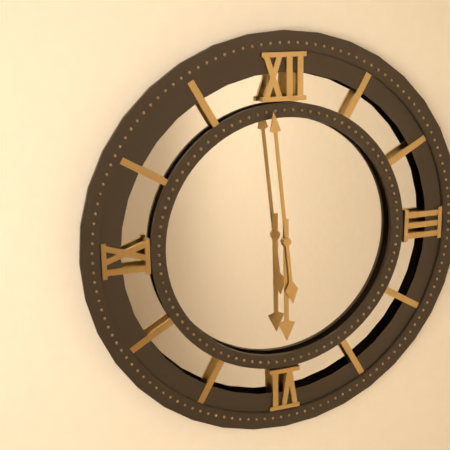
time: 5:59
